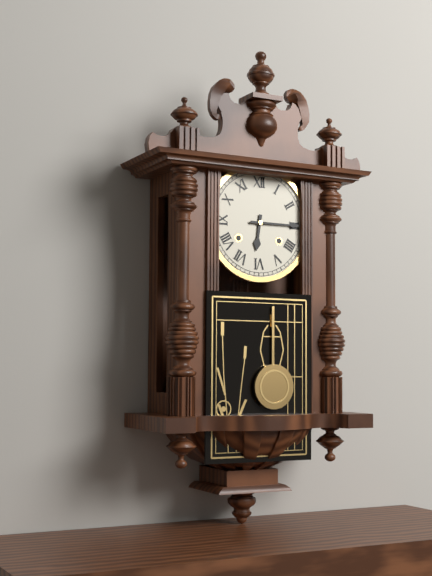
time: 6:15
